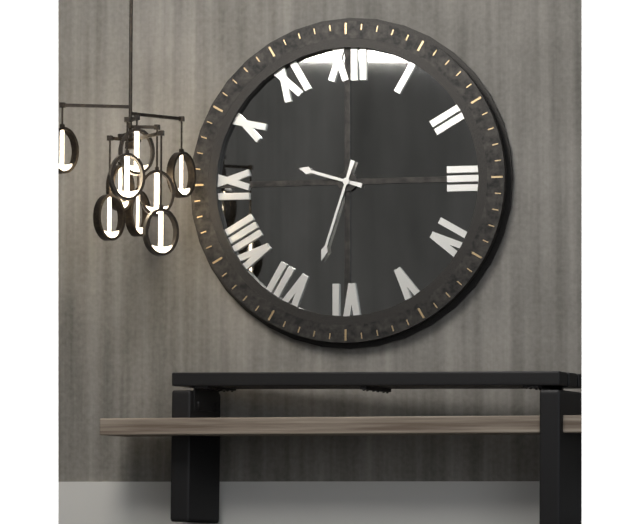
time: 9:33
